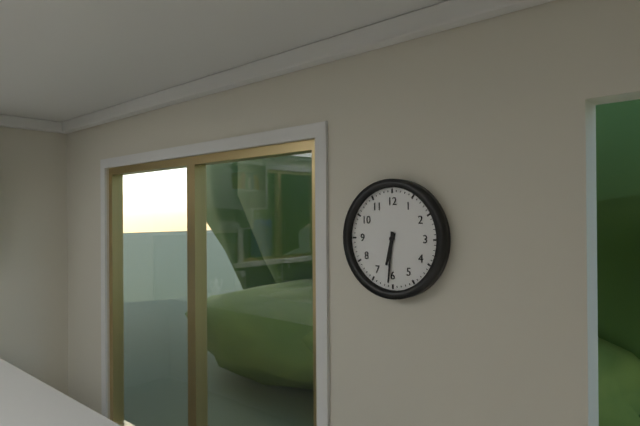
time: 6:31
